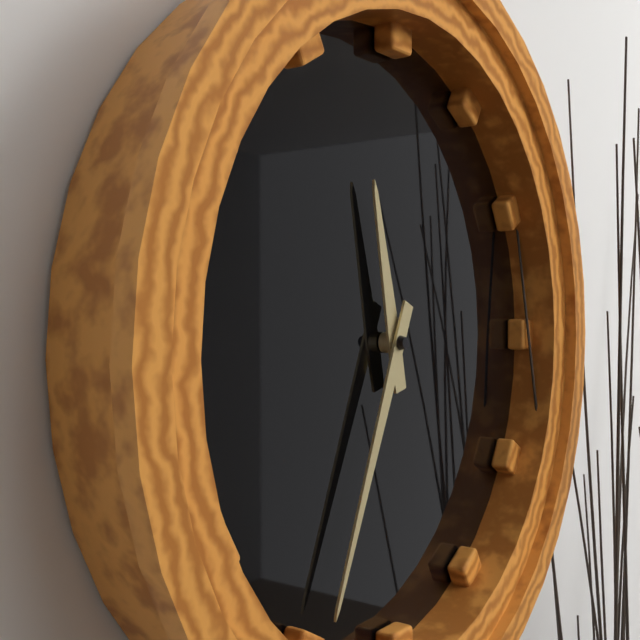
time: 11:34
